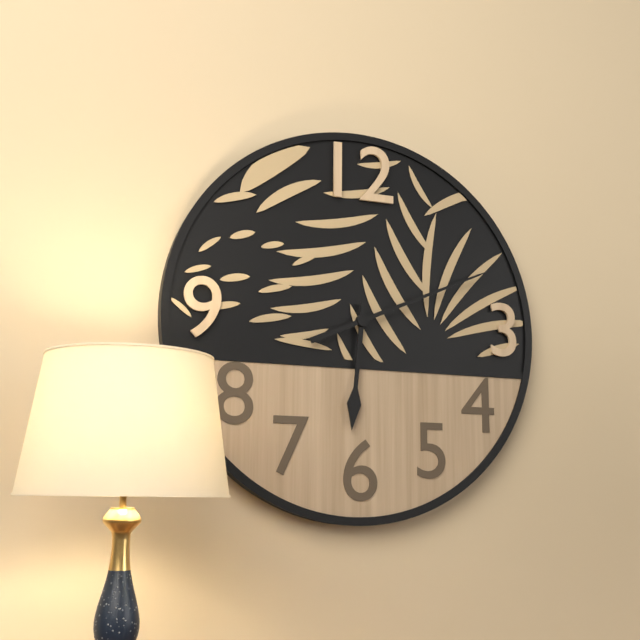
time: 6:11
